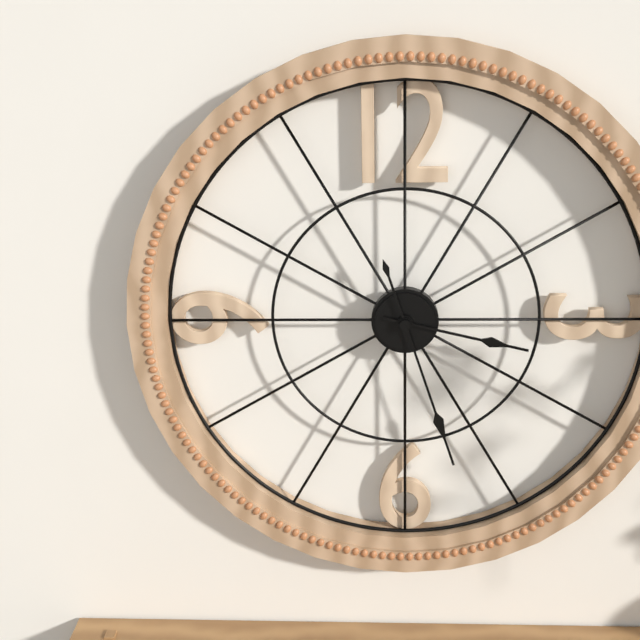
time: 3:27
